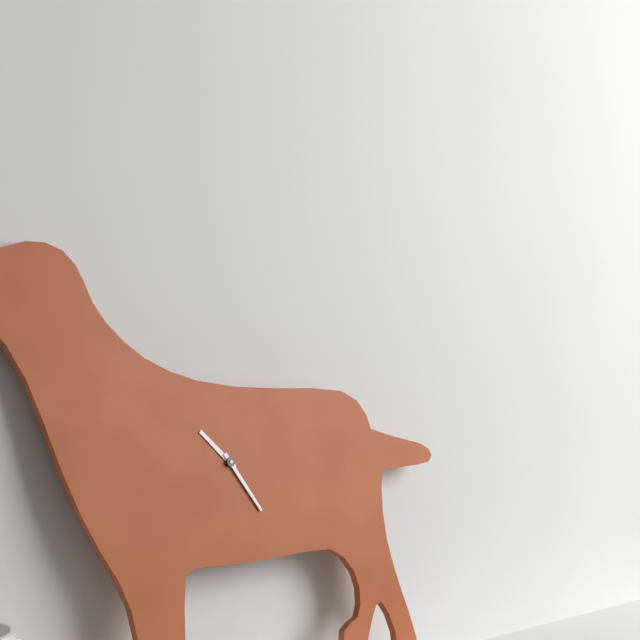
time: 10:24
